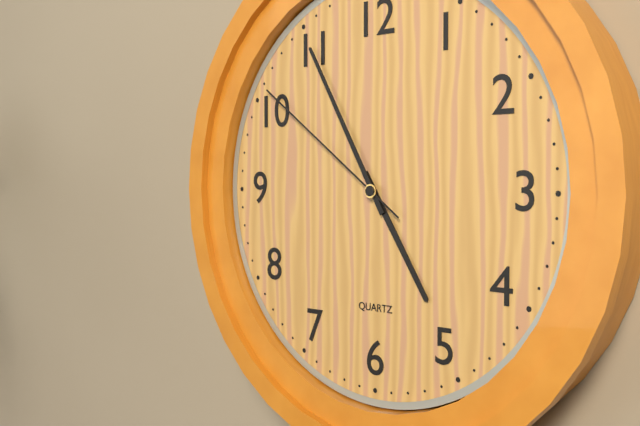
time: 4:55:51
